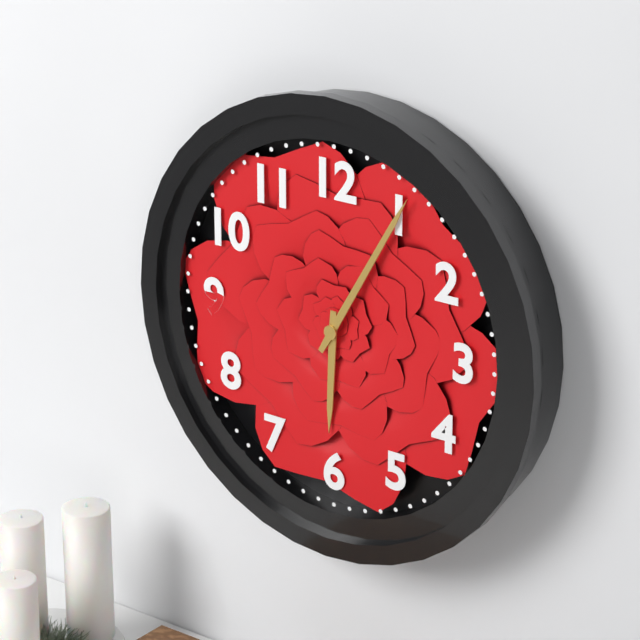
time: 6:05
